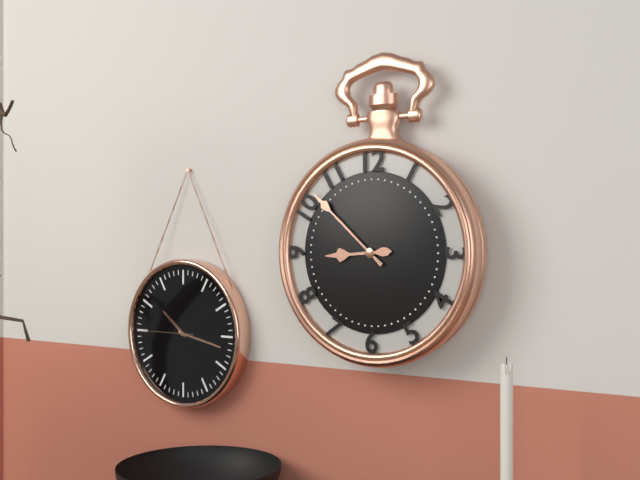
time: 8:52
